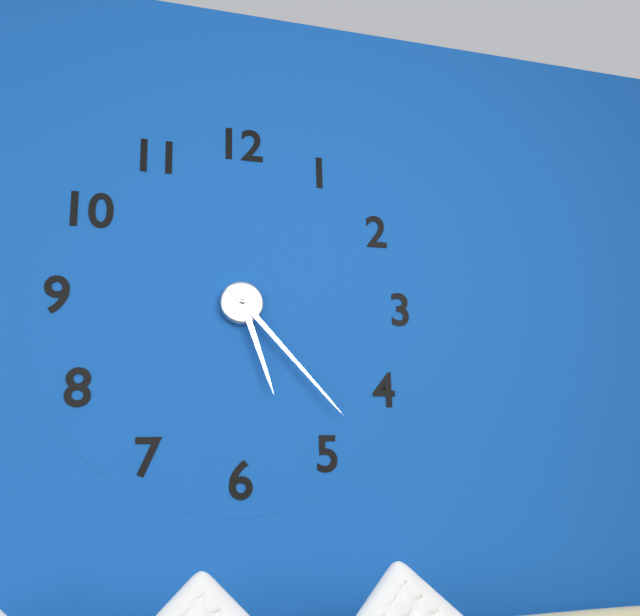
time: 5:23
